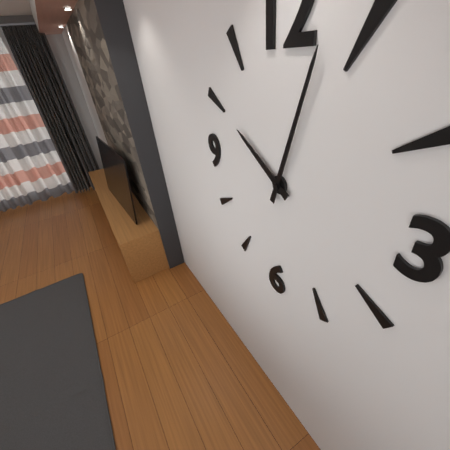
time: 10:03
